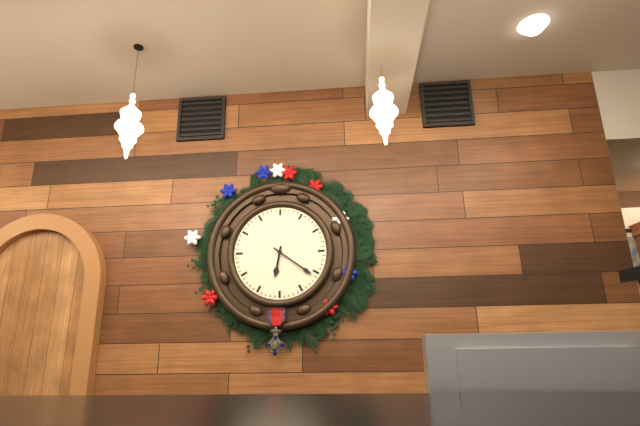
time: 6:21
